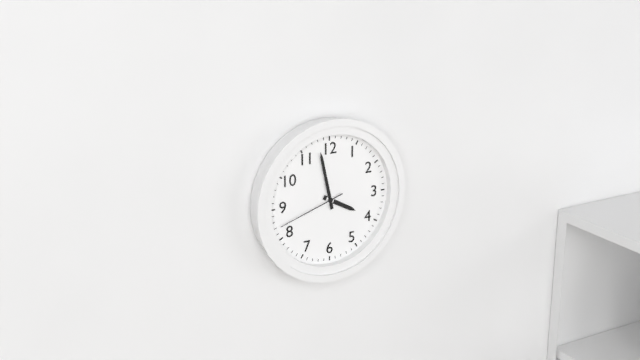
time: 3:58:42
